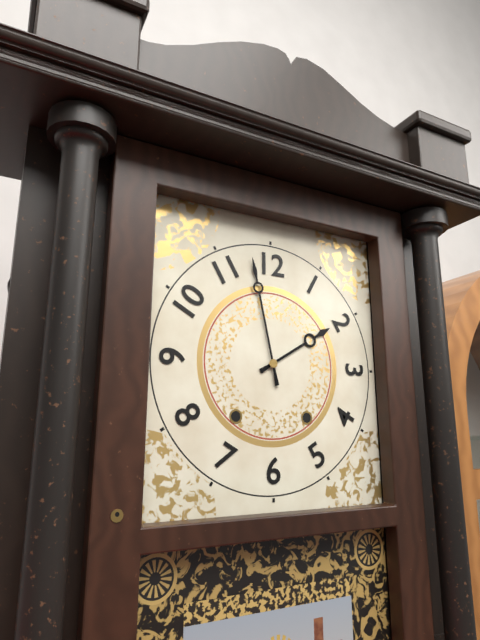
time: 1:58
